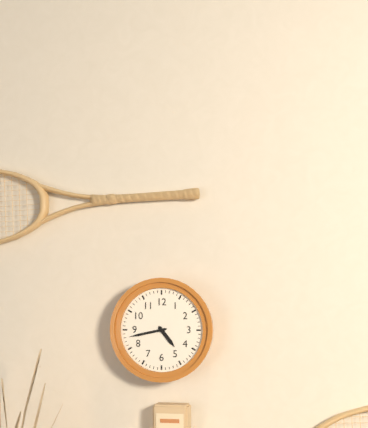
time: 4:43
